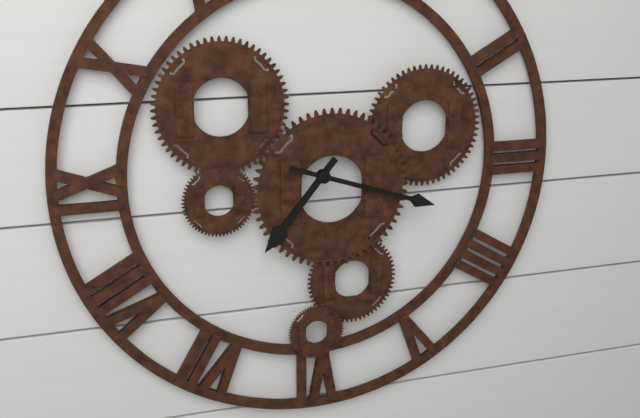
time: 7:18
